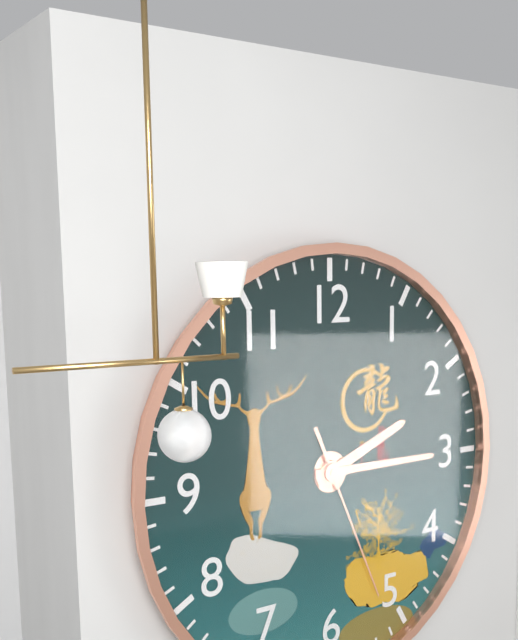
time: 2:15:26
